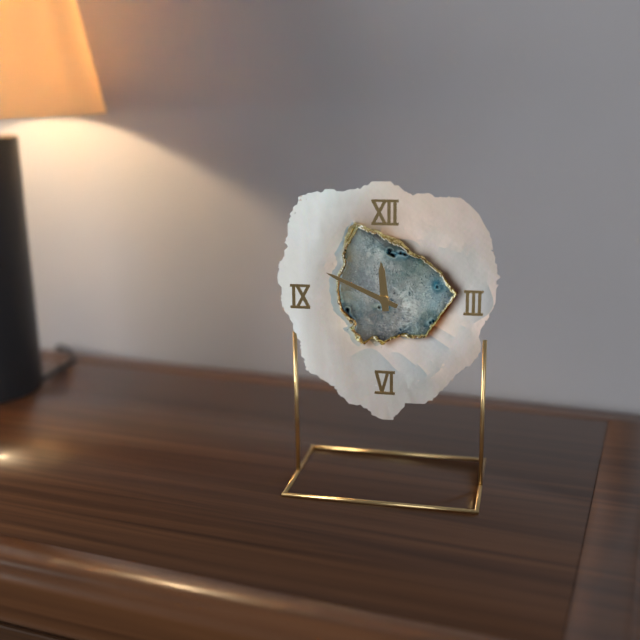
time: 11:49
